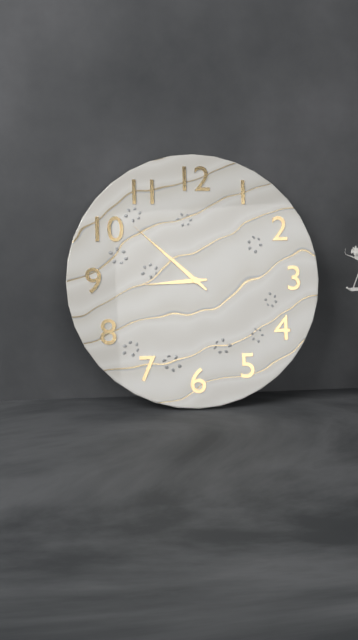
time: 8:52
